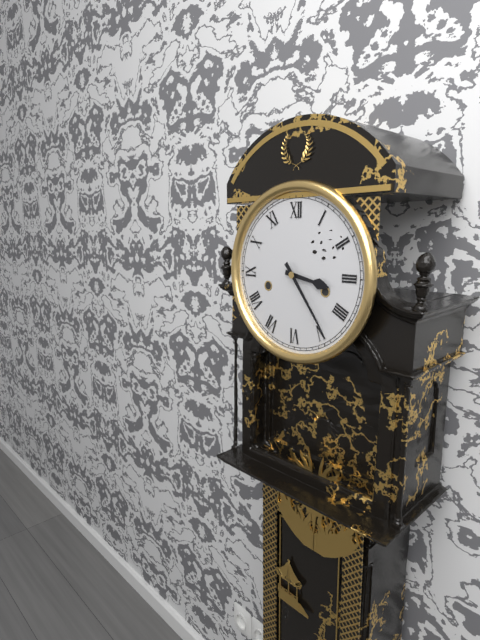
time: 3:24
